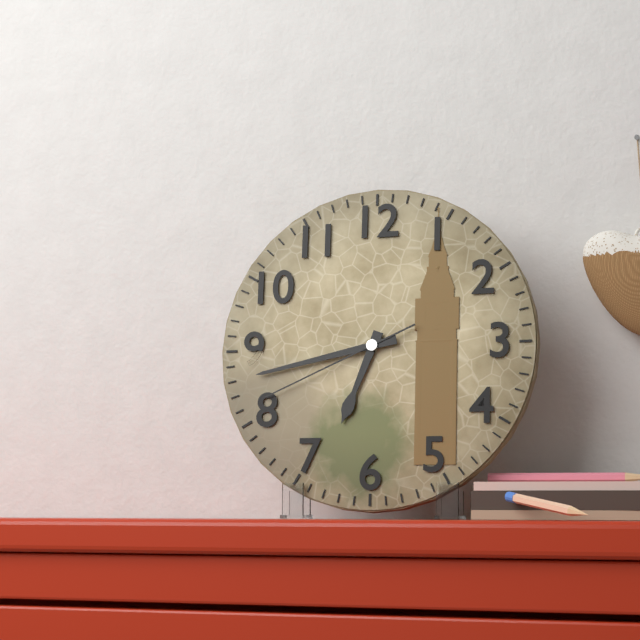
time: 6:43:41
